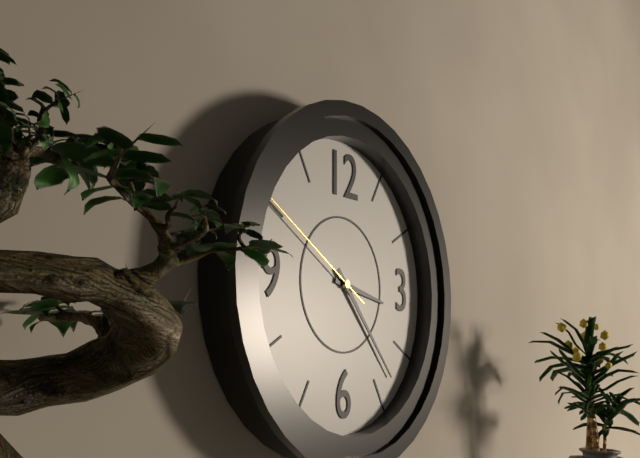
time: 3:23:50
